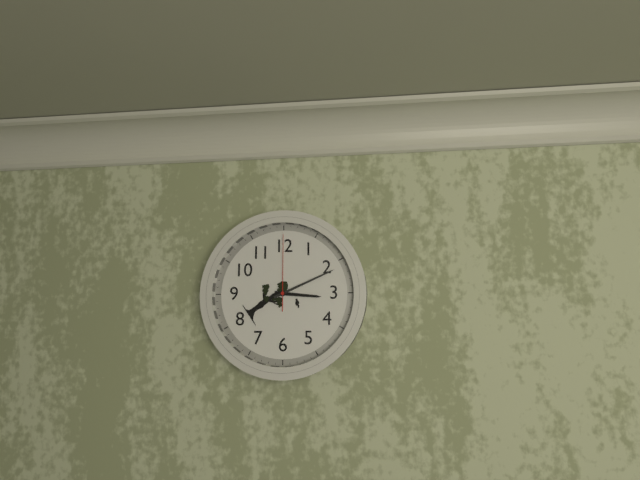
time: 3:11:00
